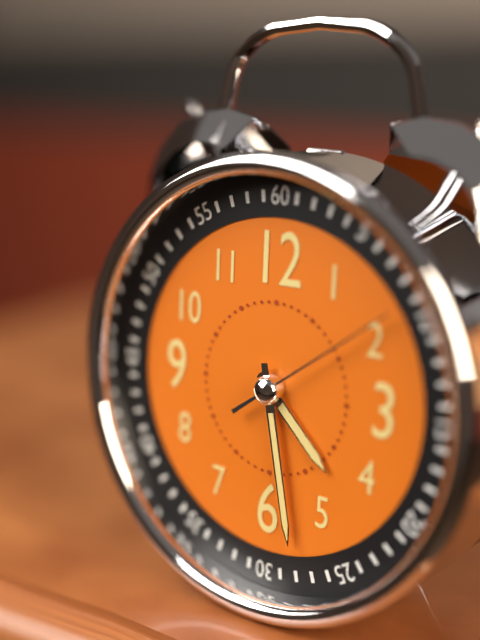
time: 4:28:09
